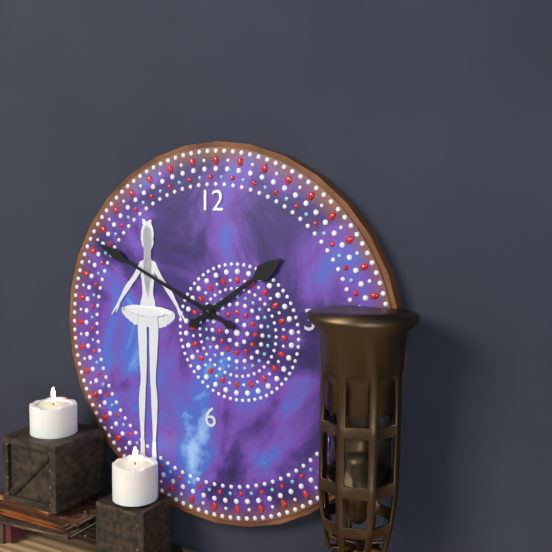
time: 1:49
